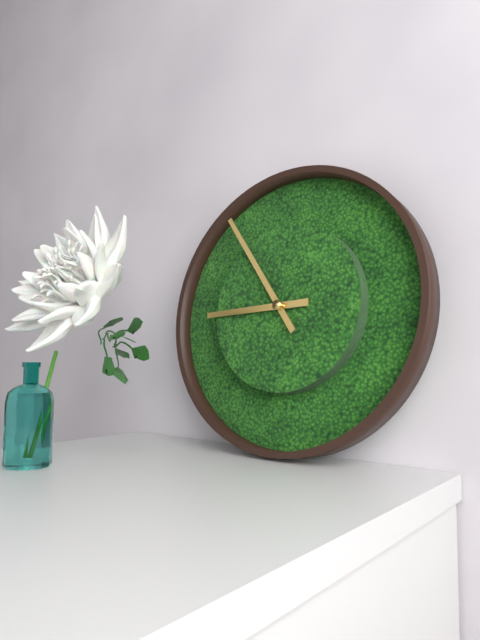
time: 8:54
